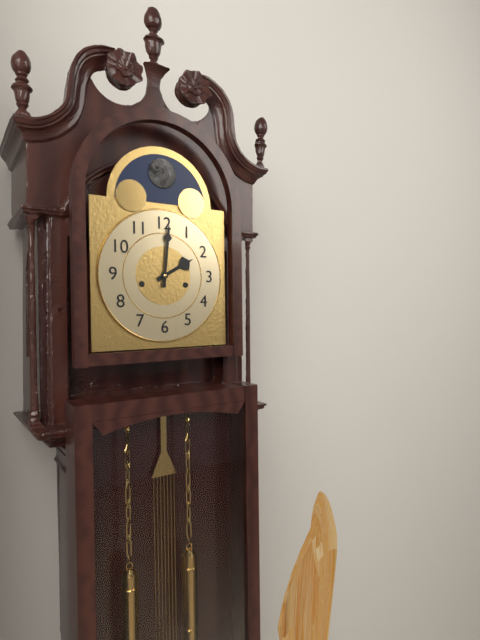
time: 2:01
